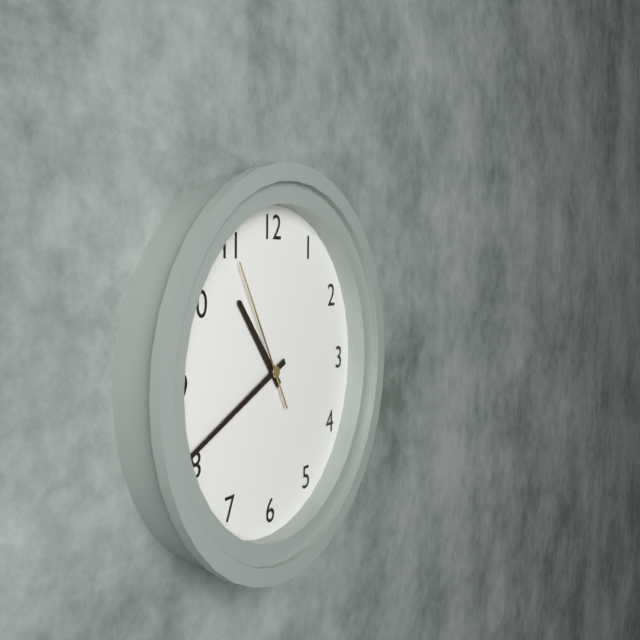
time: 10:41:55
